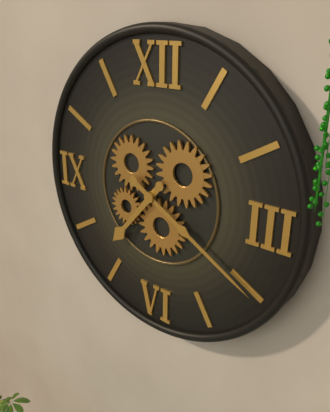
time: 7:20
